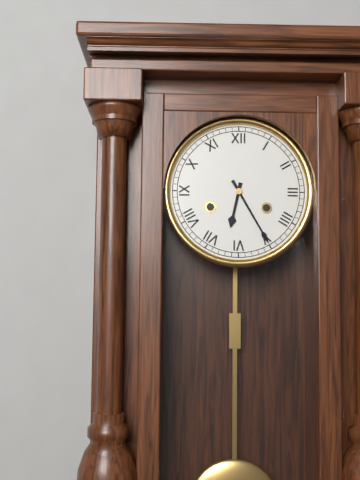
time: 6:25
